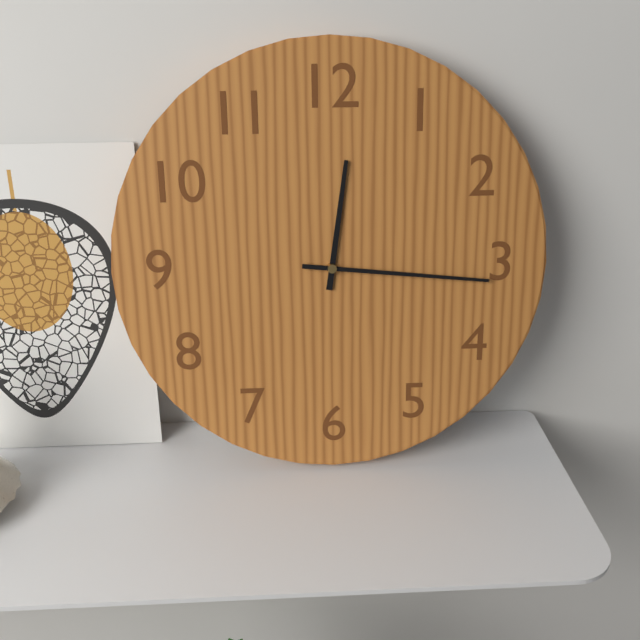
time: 12:16
